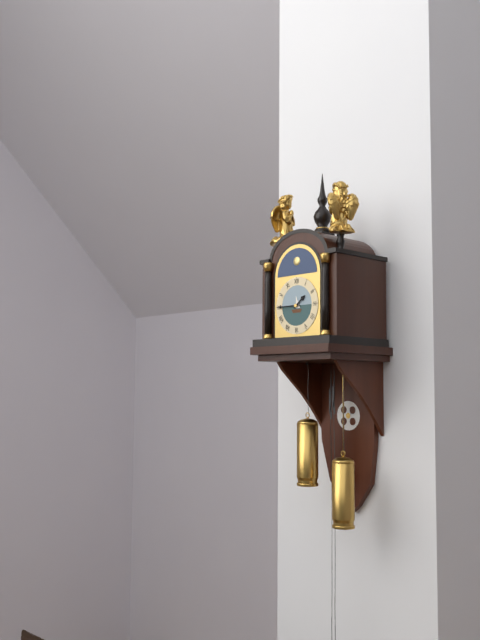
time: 1:45
